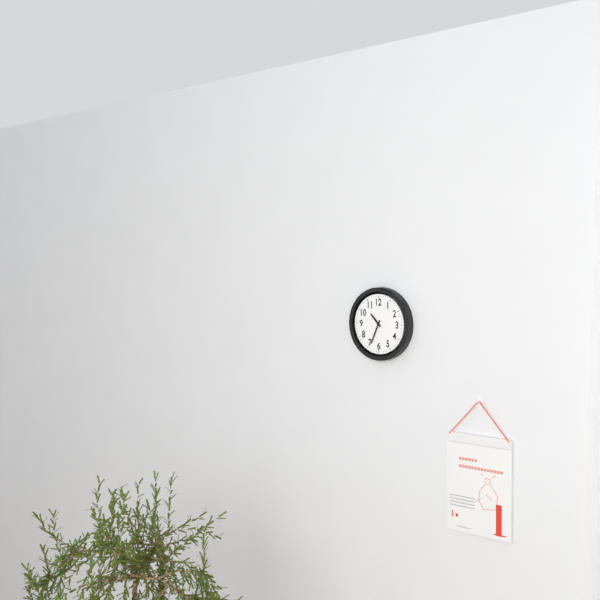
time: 10:34
